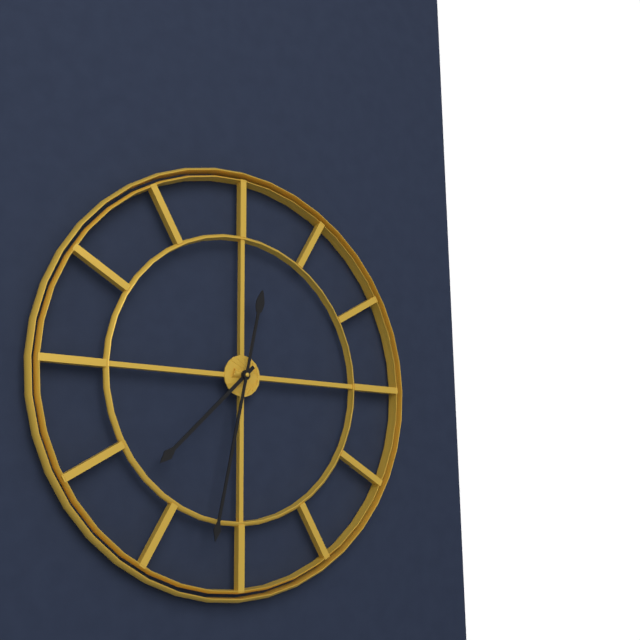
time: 7:32
